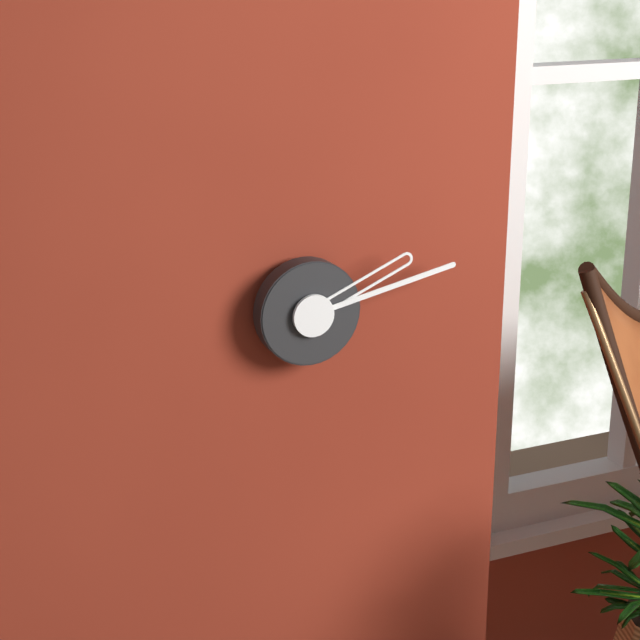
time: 2:13
